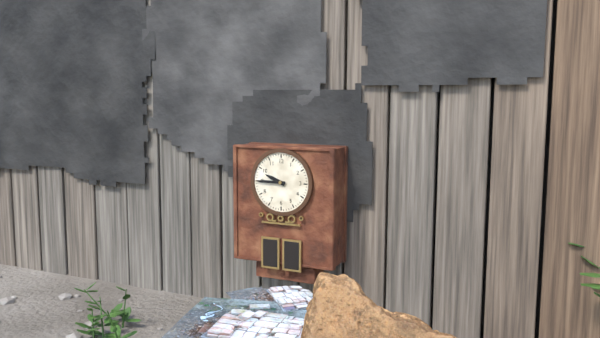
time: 9:45
